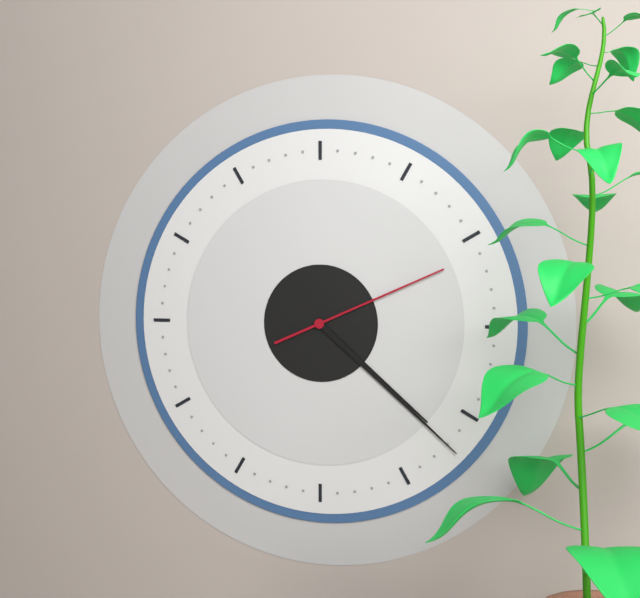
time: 4:22:11
